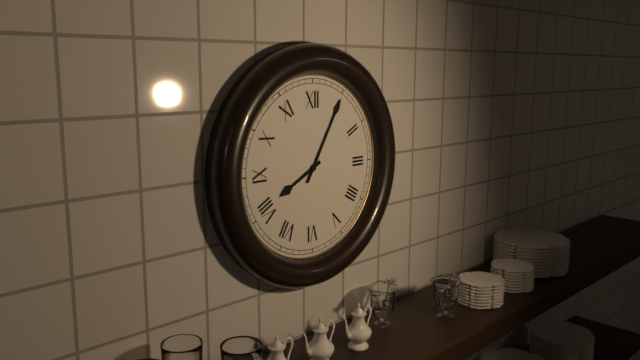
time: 8:05
